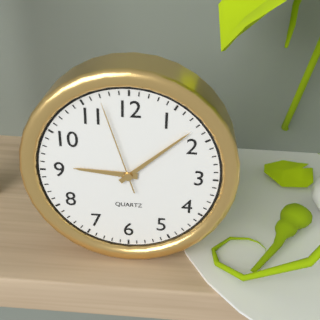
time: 9:08:57
